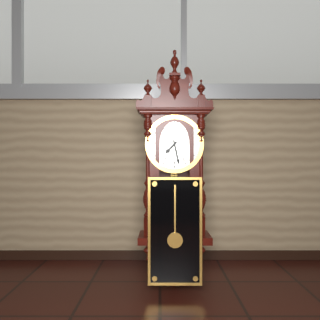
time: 7:28
